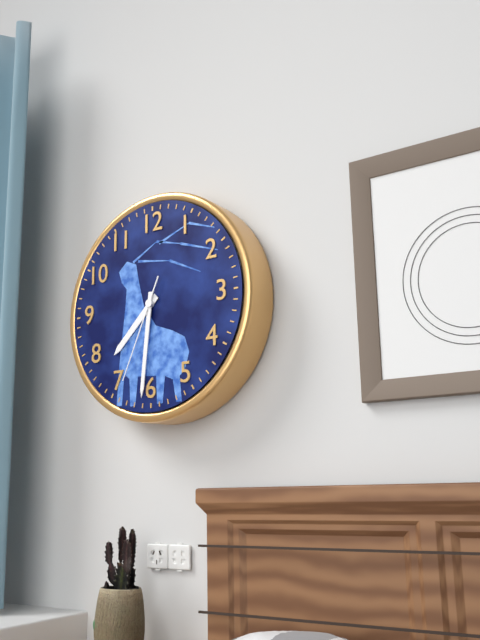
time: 7:31:34
